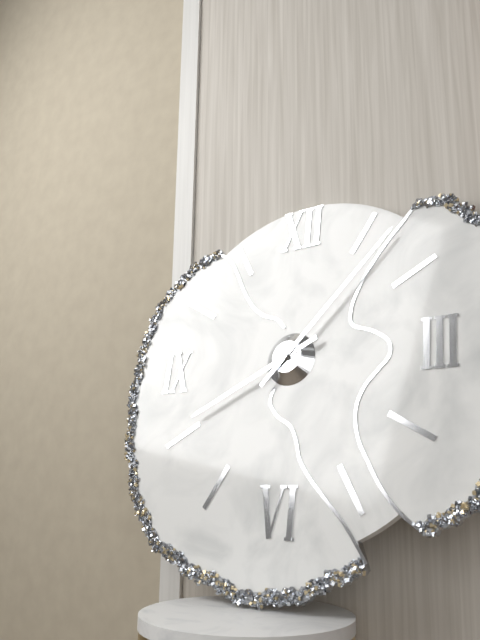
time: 8:07
